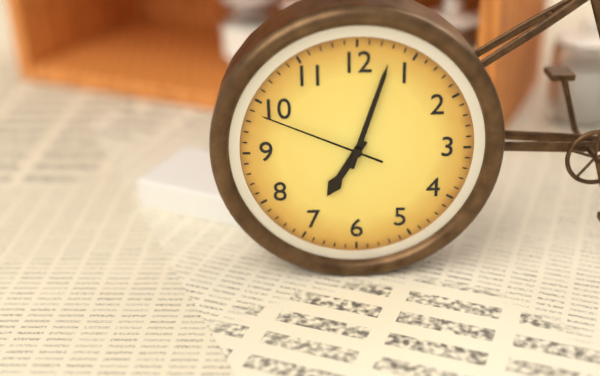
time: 7:03:49
